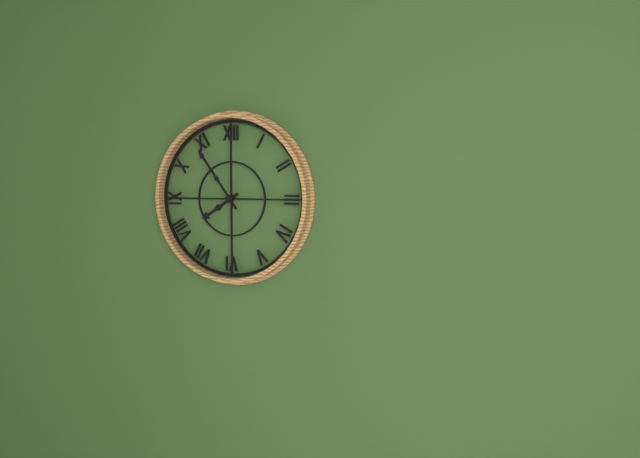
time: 7:54
